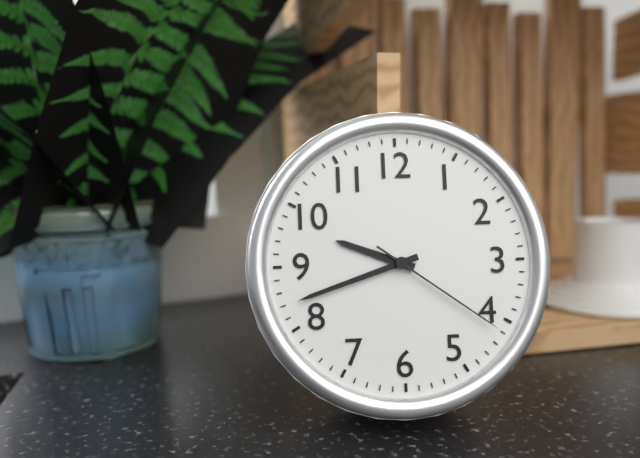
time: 9:42:21
